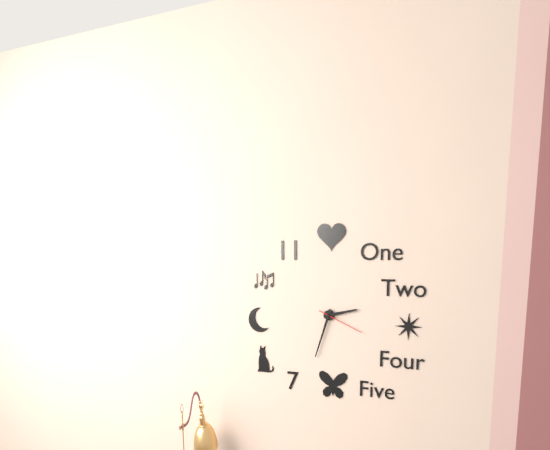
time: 2:33
